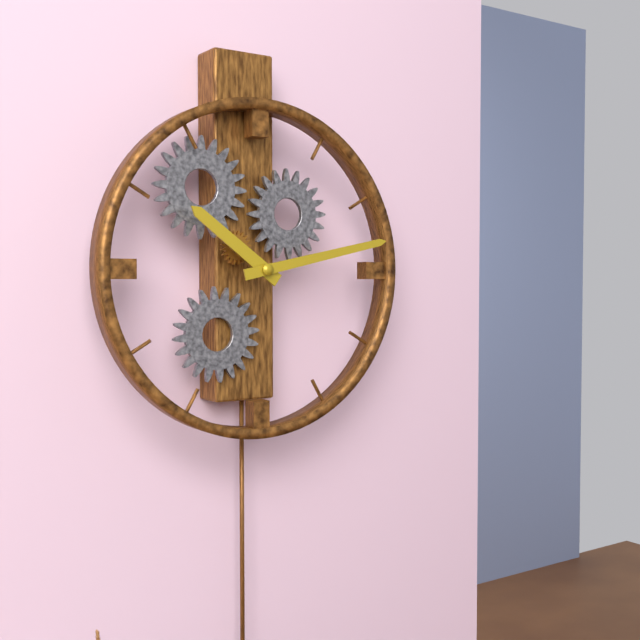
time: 10:13
